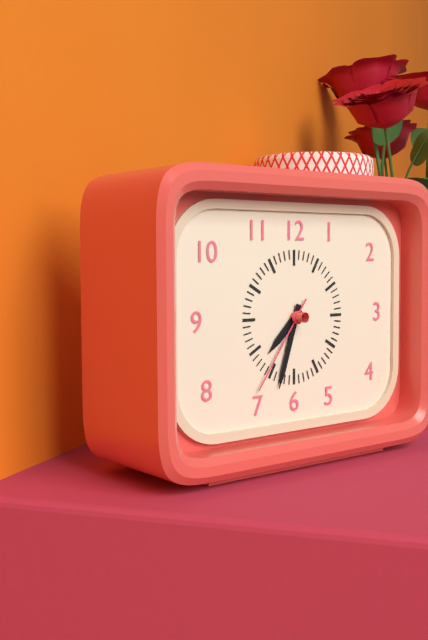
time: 7:33:36
